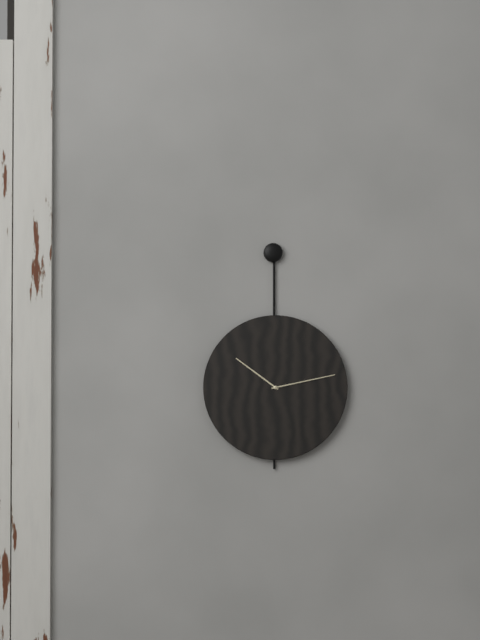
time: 10:13
